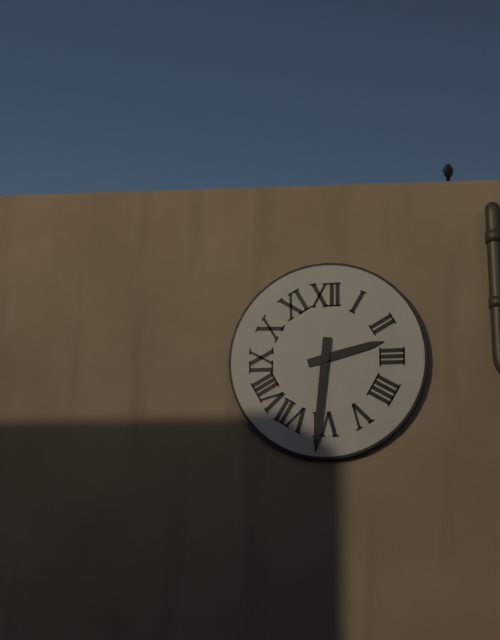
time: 2:31
